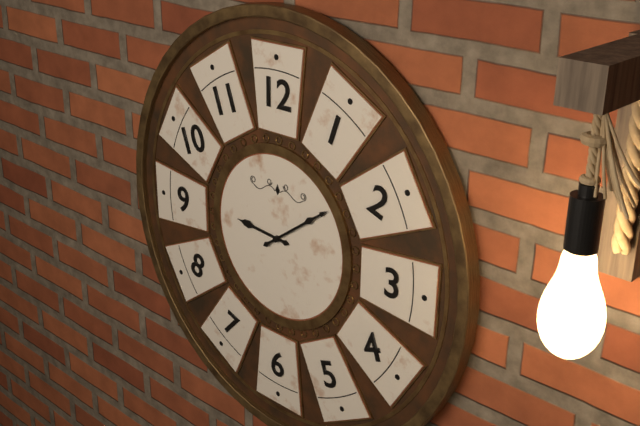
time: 9:09
